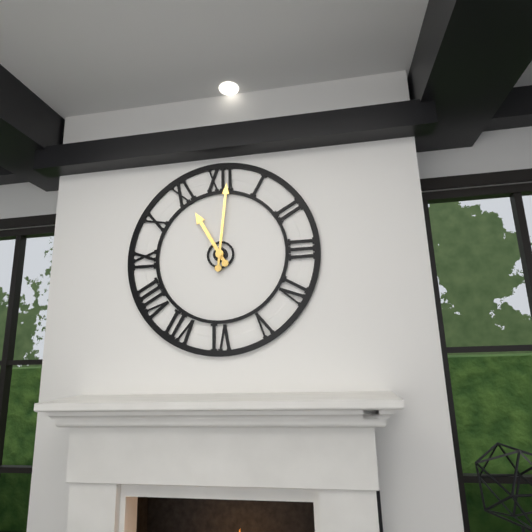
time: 11:01
